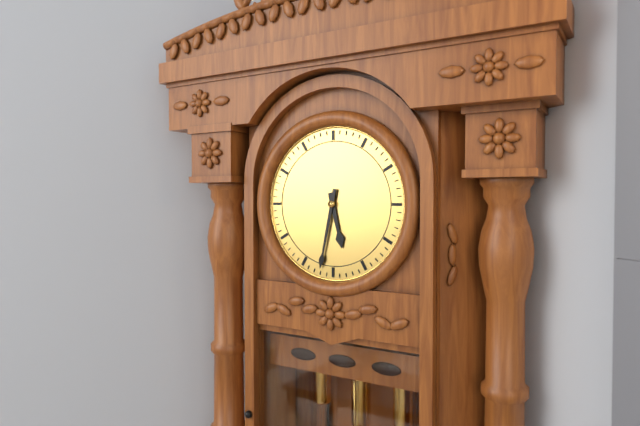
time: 5:32
